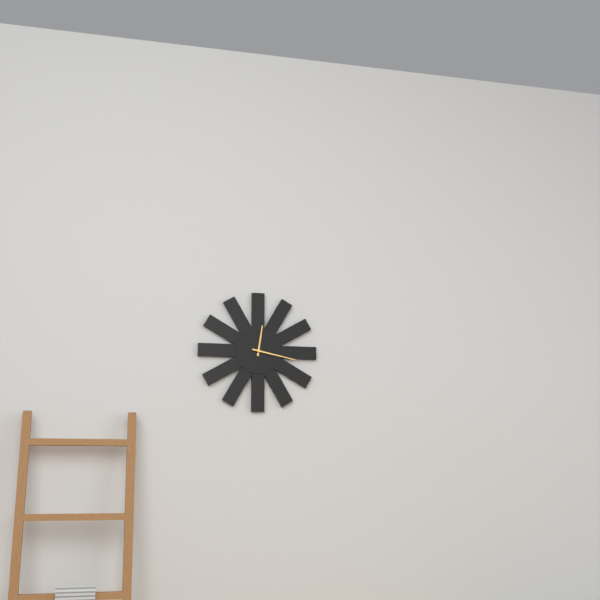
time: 12:17
